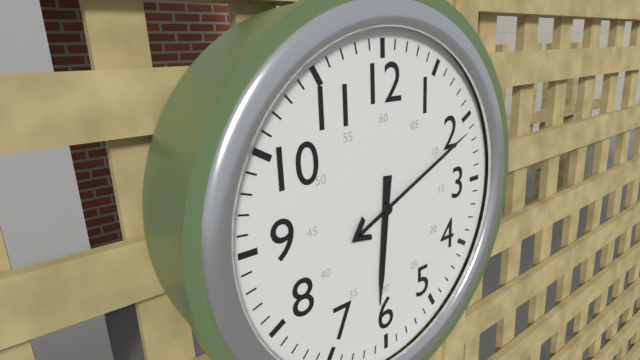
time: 6:11
